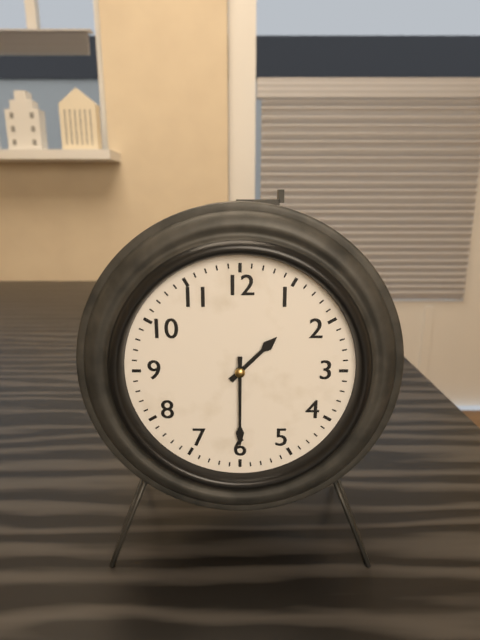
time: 1:30
